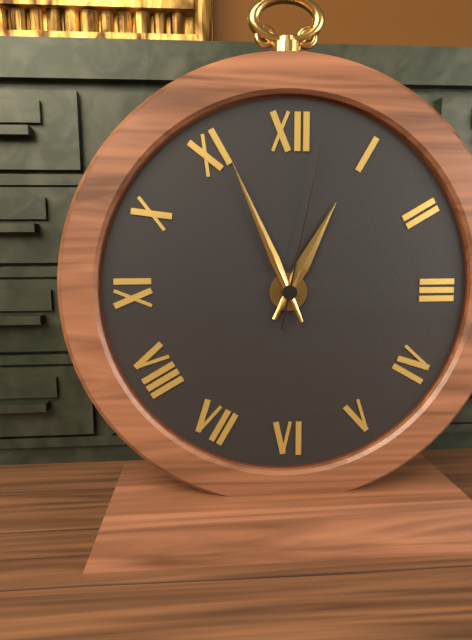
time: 12:56:02
